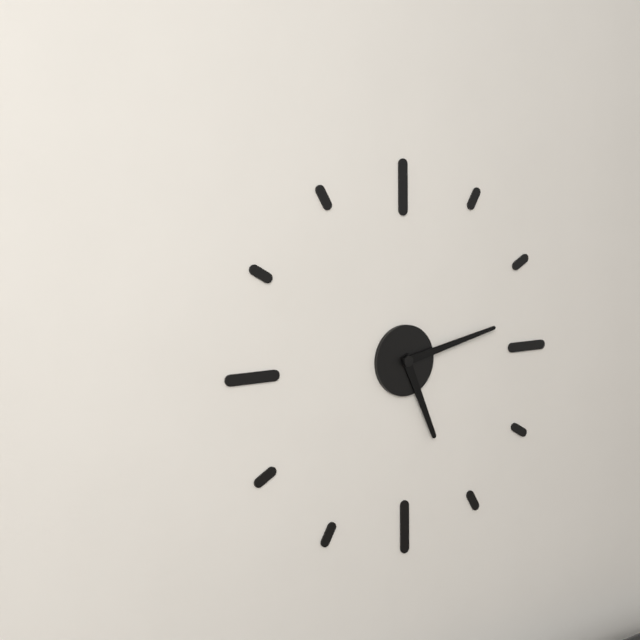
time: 5:13
